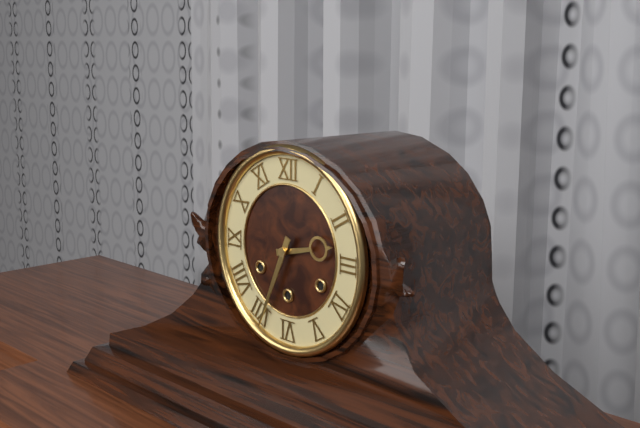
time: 2:34
